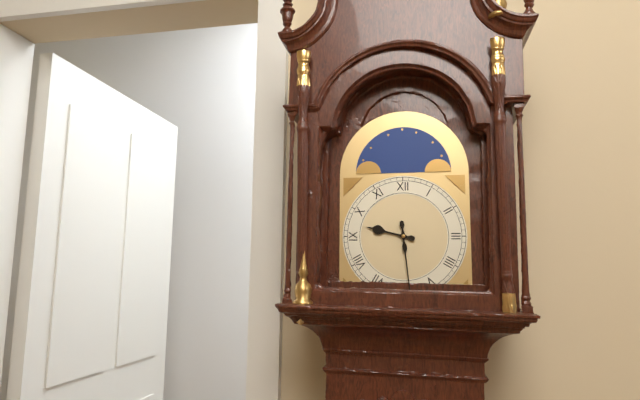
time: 9:29
